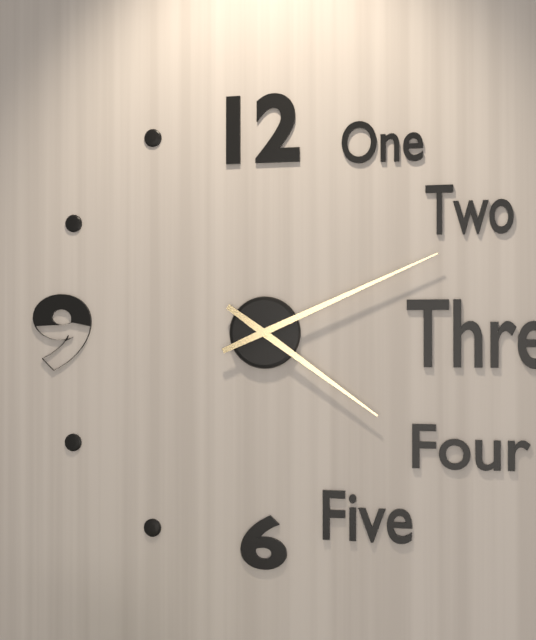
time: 4:11
